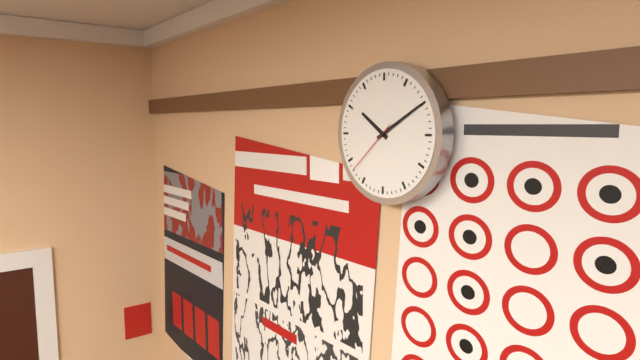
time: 10:10:38
